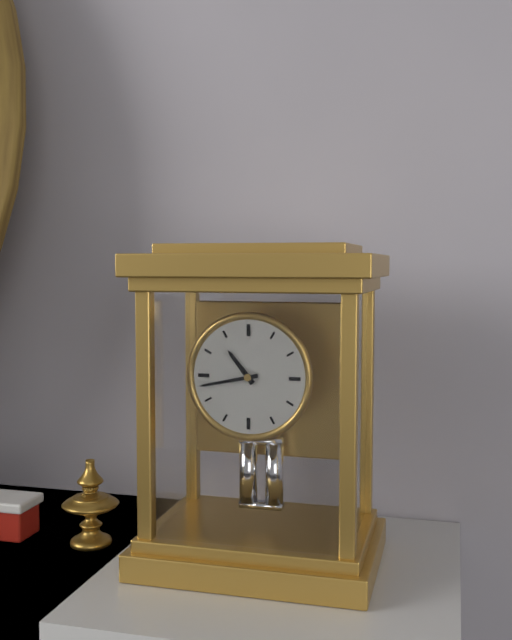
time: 10:43
